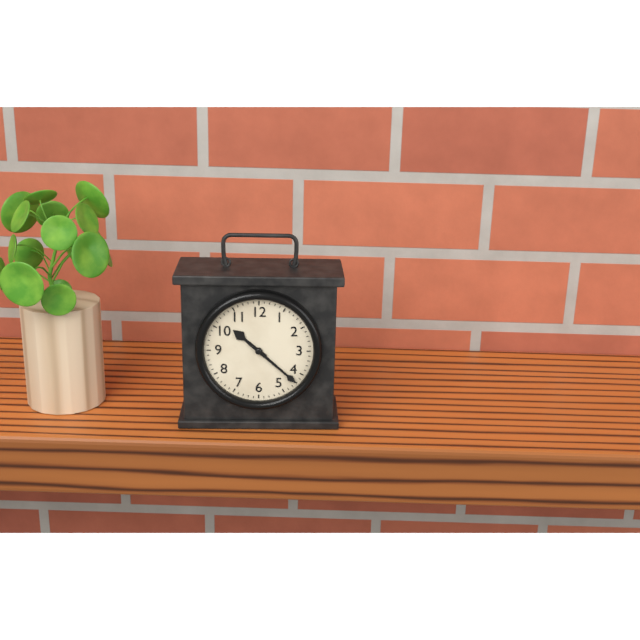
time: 10:22
